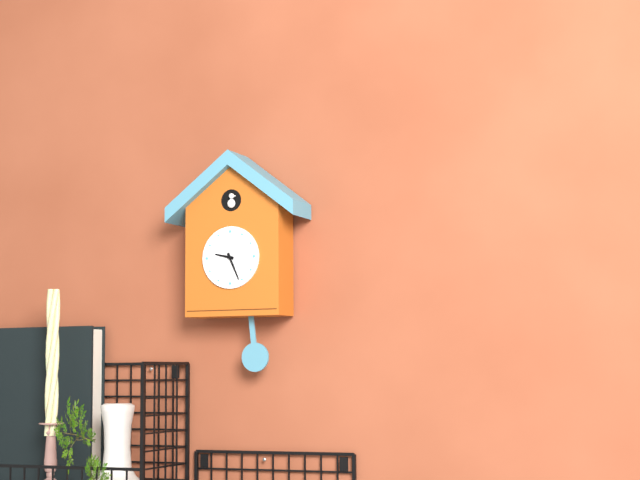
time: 9:26
